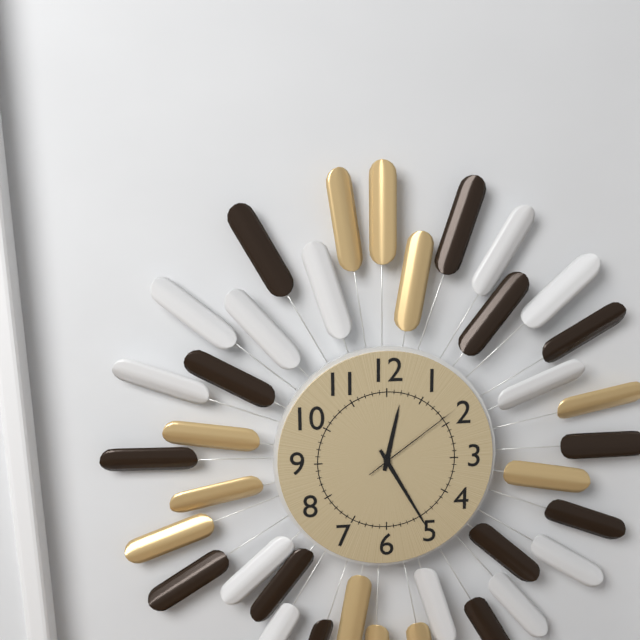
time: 12:25:09
